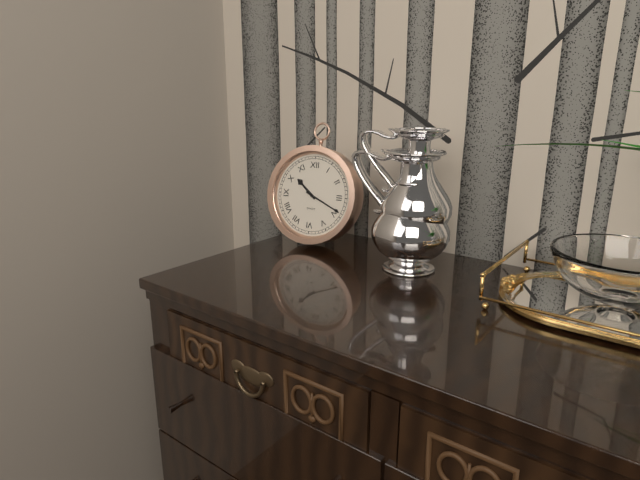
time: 10:19
